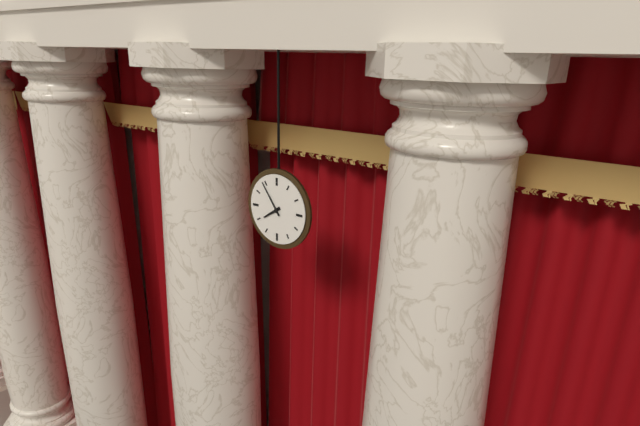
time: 7:54
